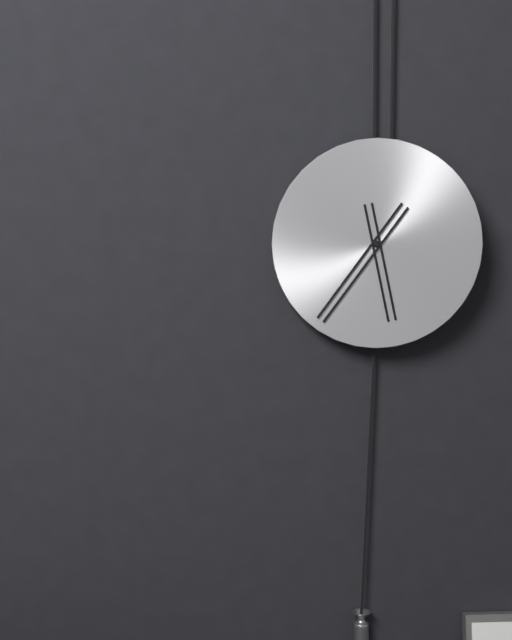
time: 5:36
